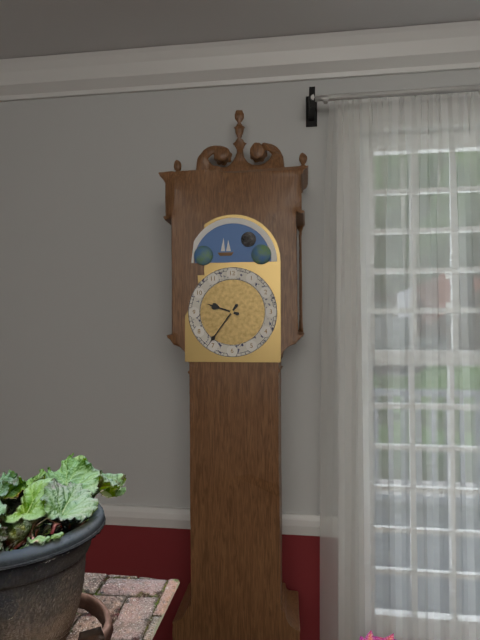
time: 9:36
